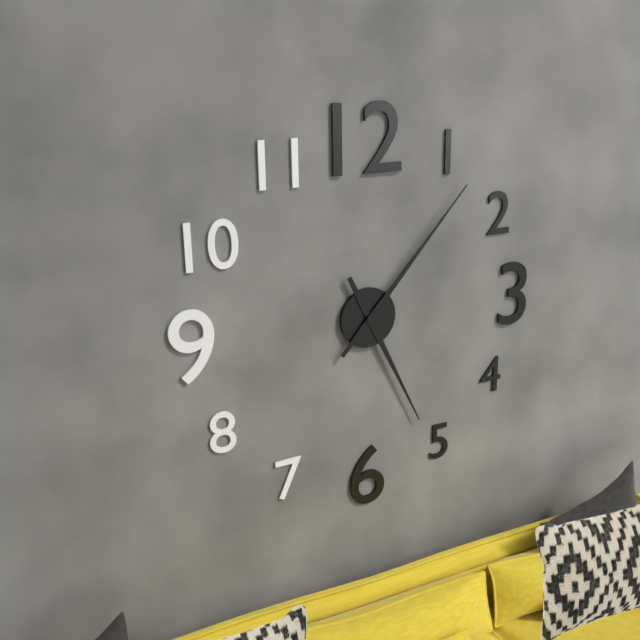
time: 5:07
